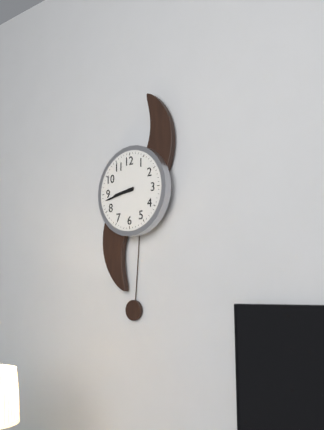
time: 8:43
